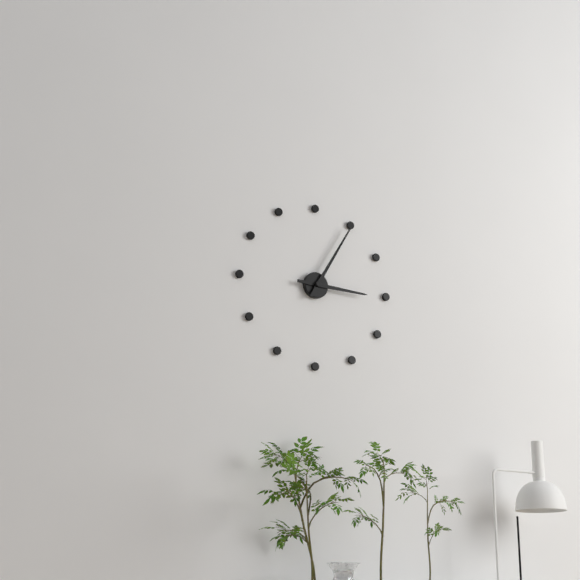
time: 3:05
